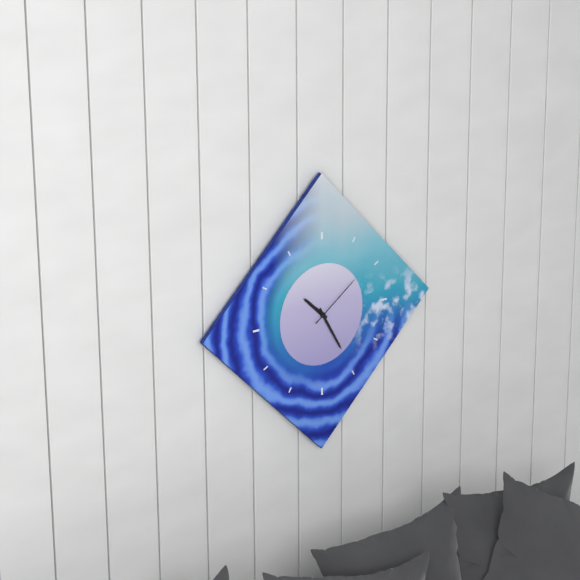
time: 10:25:09
